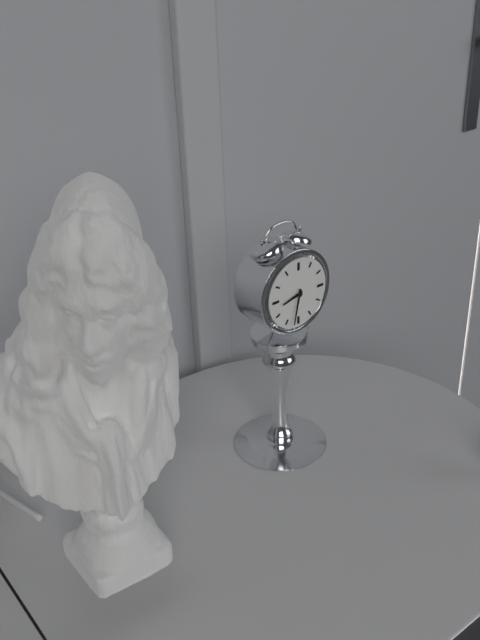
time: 8:32
